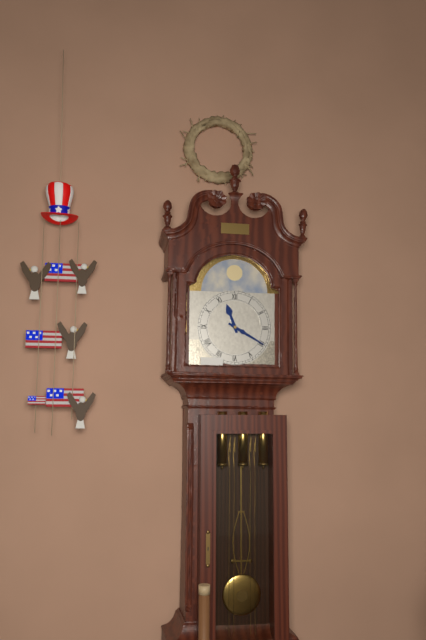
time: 11:20
